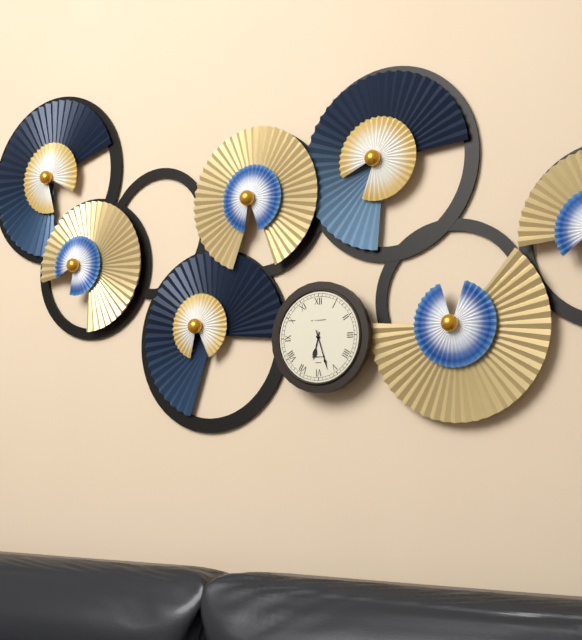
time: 6:27
